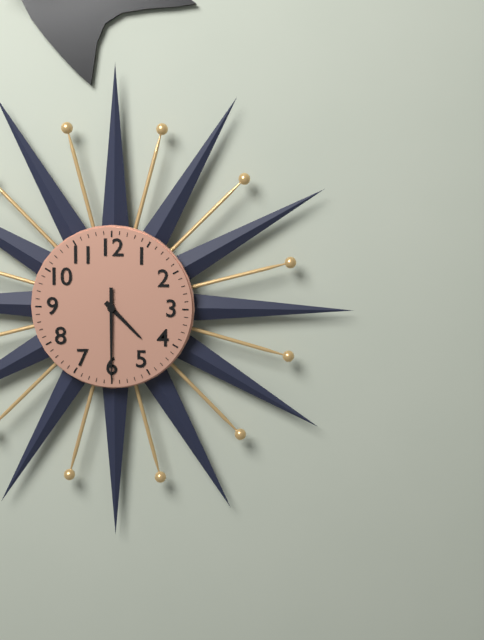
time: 4:30
